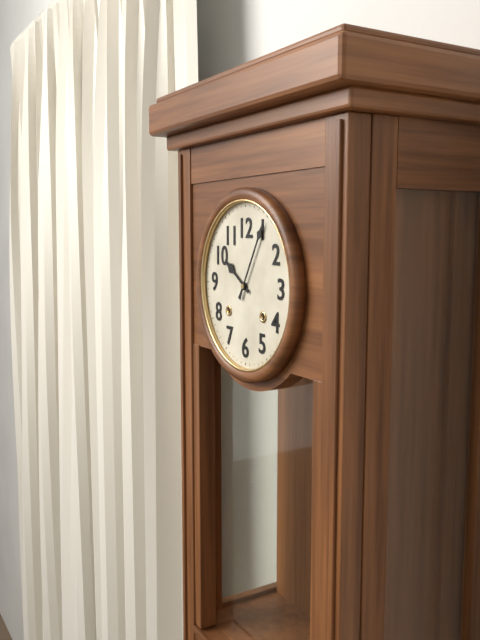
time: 10:05
